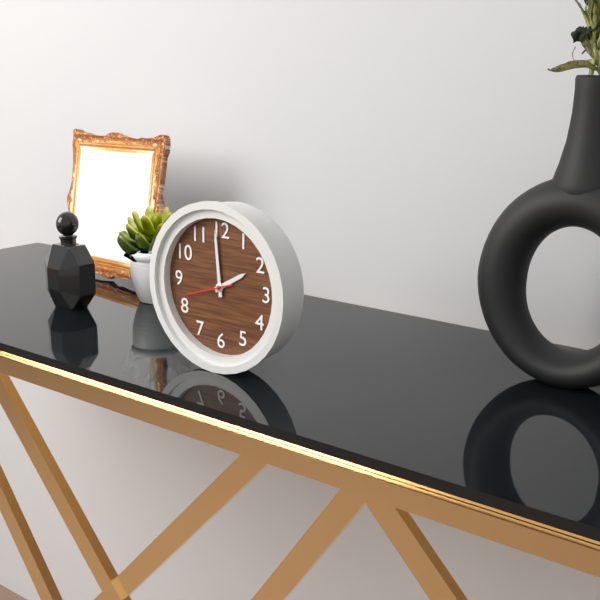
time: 1:59
